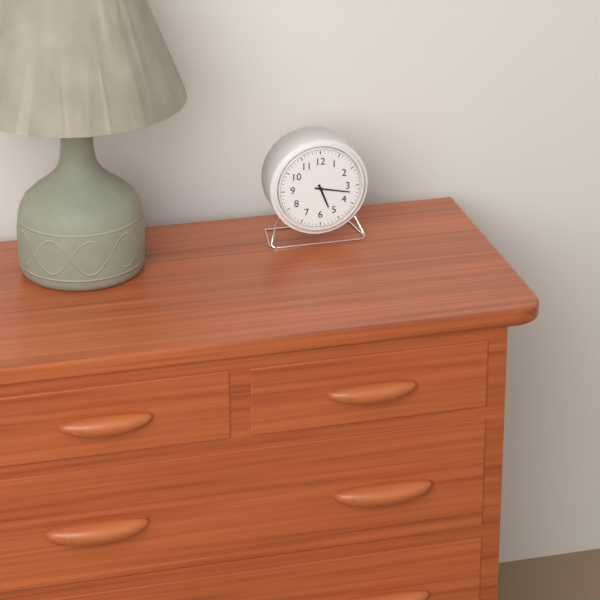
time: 5:17
